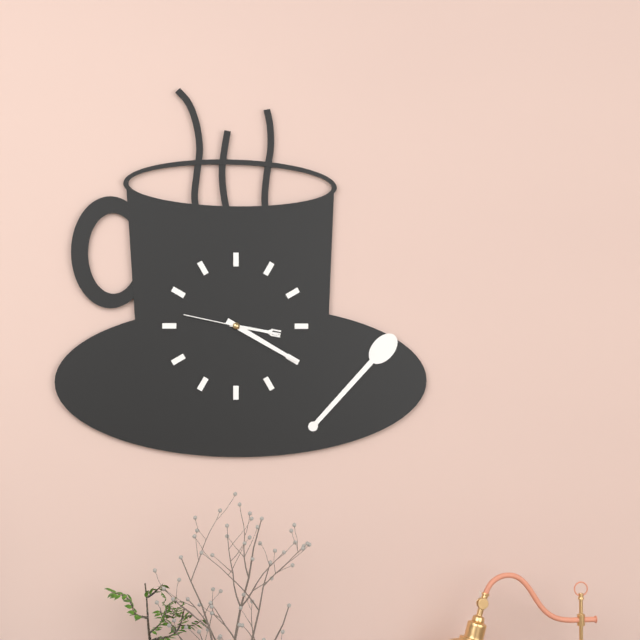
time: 3:20:47
